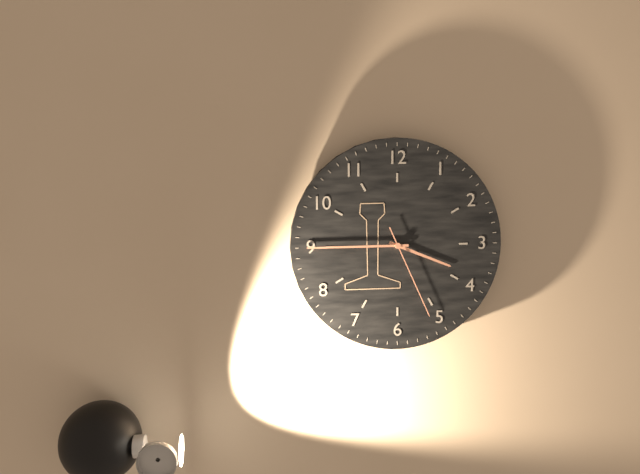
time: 3:45:26
